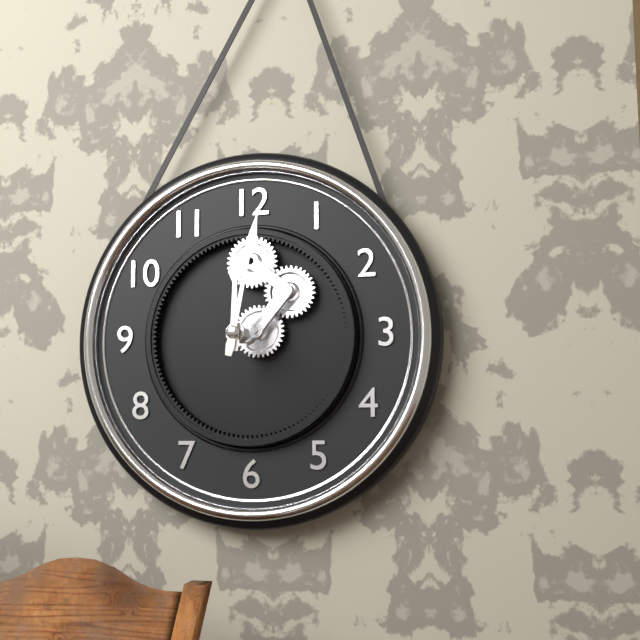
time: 12:02
